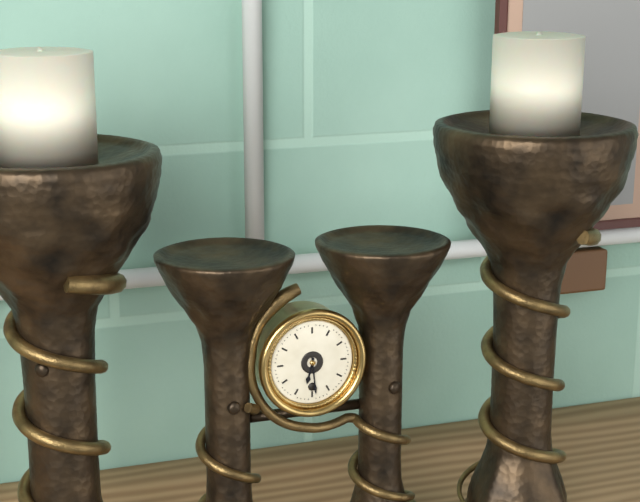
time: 6:29
